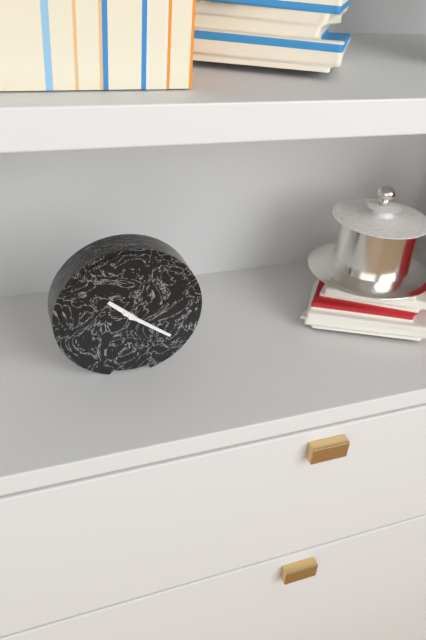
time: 10:21
